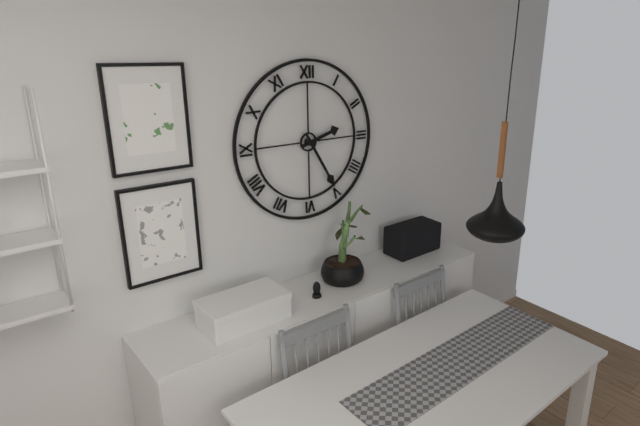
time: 2:25
